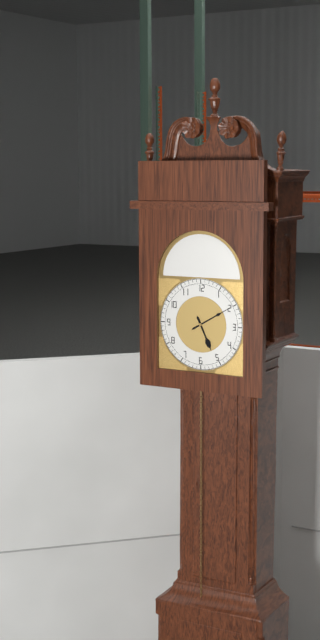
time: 5:10
